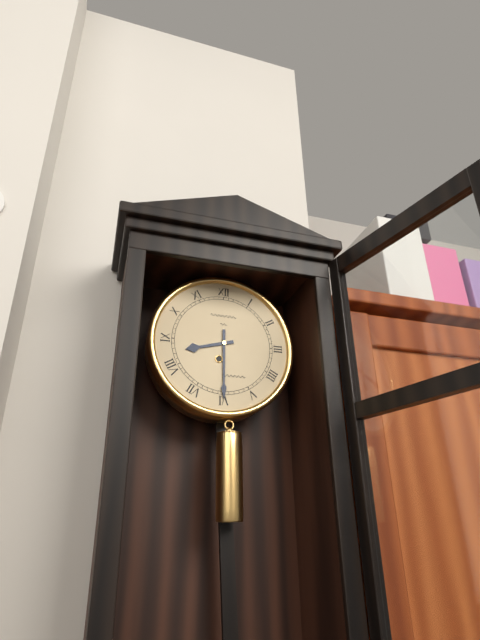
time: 8:30
